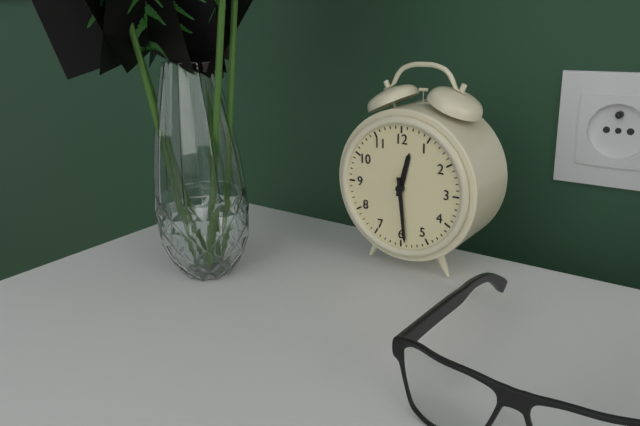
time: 12:29
